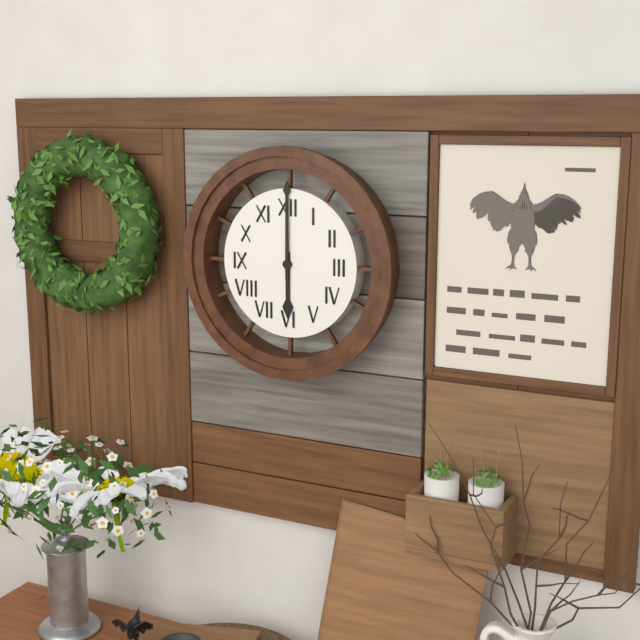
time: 6:00
